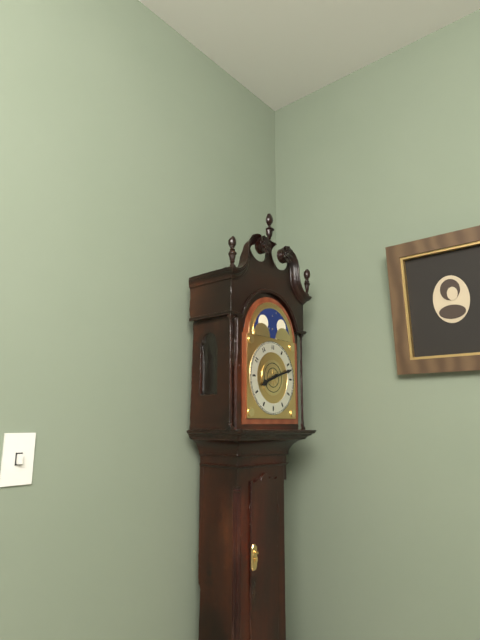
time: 8:12
